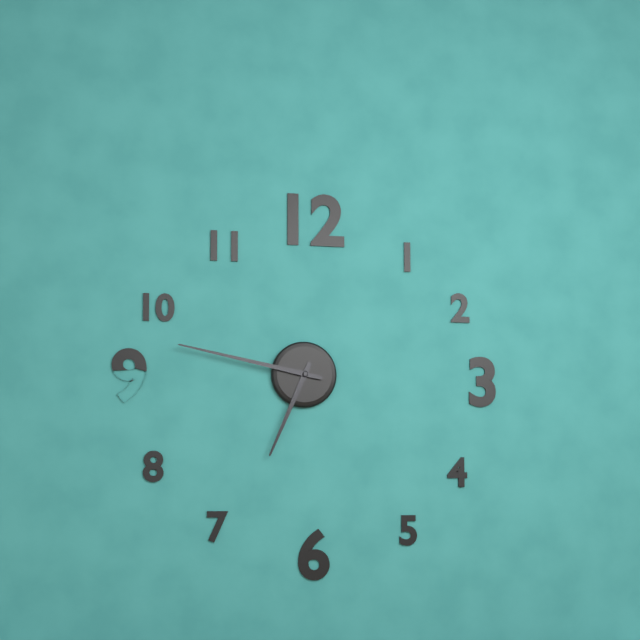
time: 6:47
